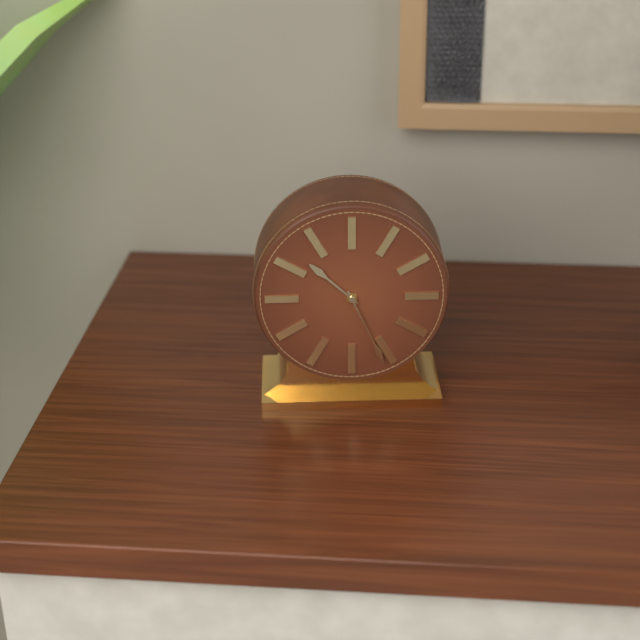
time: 10:26
